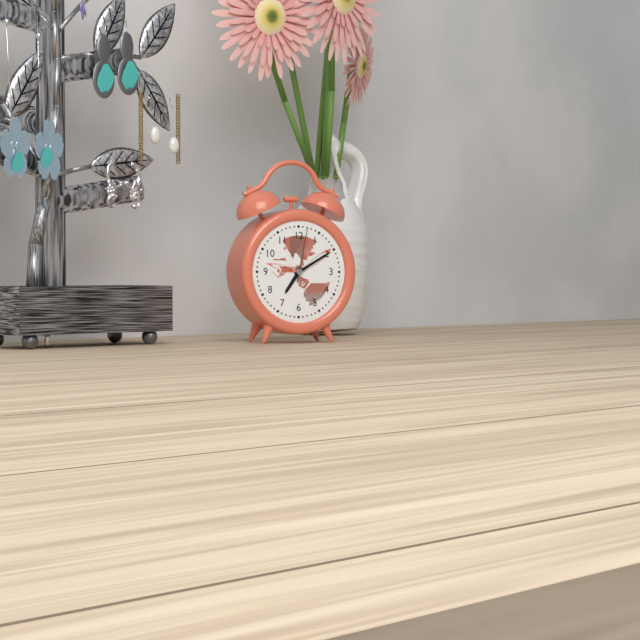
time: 7:10:02
